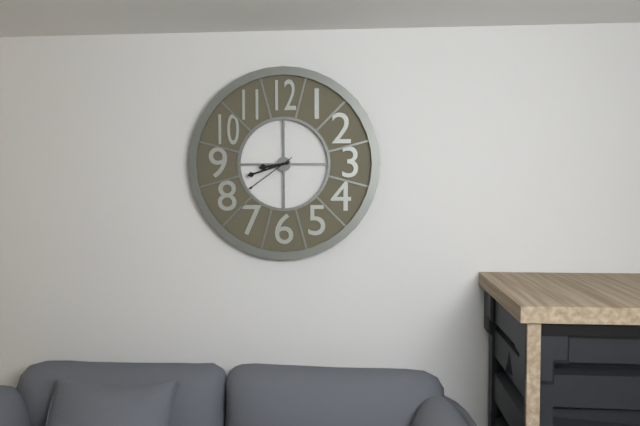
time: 8:42:39
